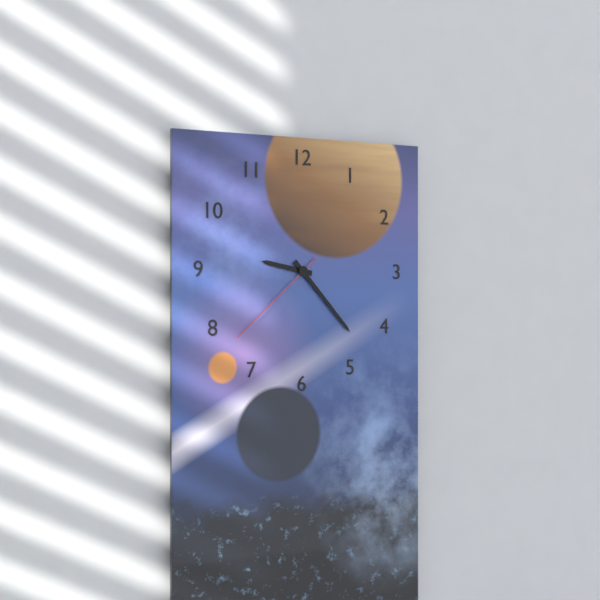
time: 9:23:38
